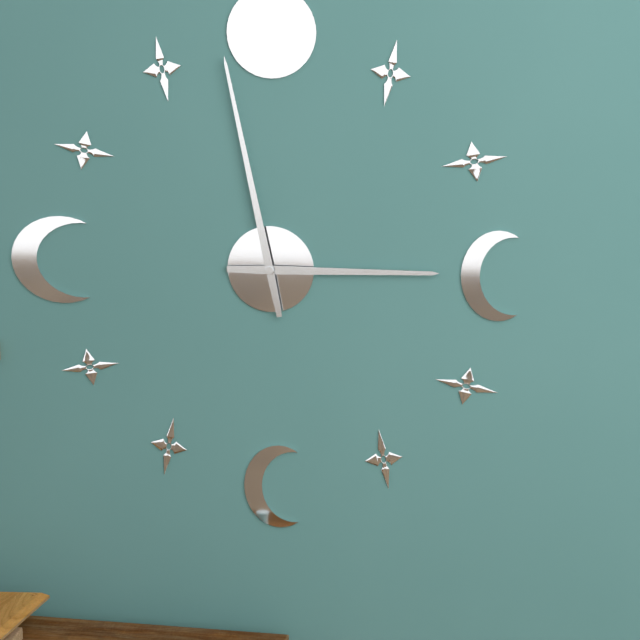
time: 2:58
